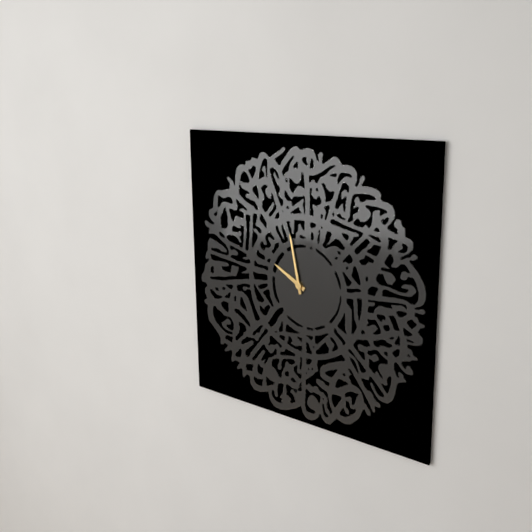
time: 9:58
